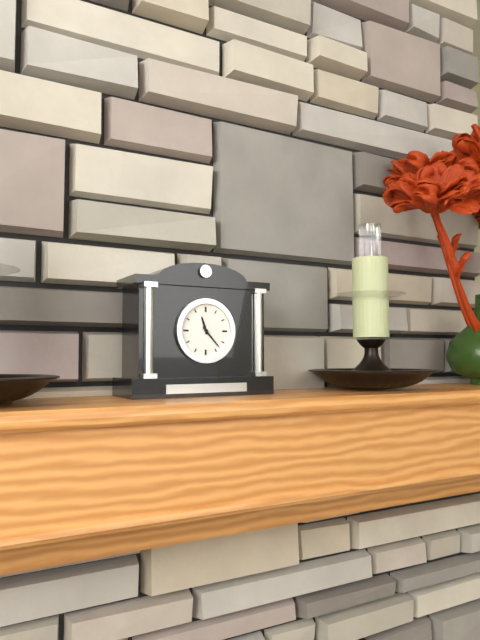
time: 11:23
